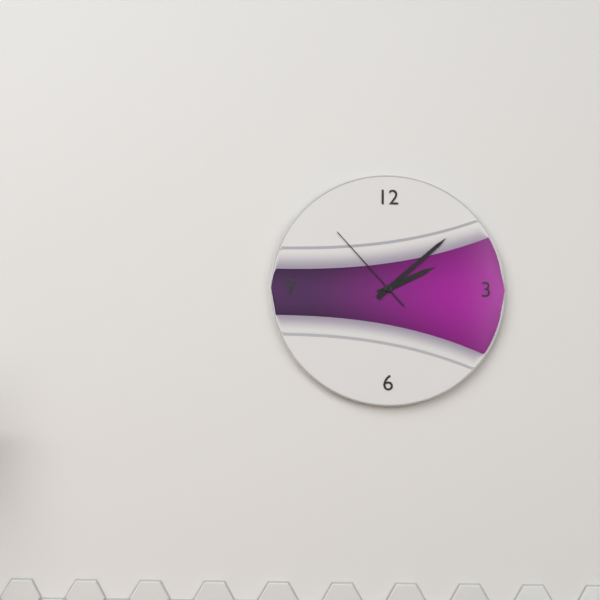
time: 2:08:53
